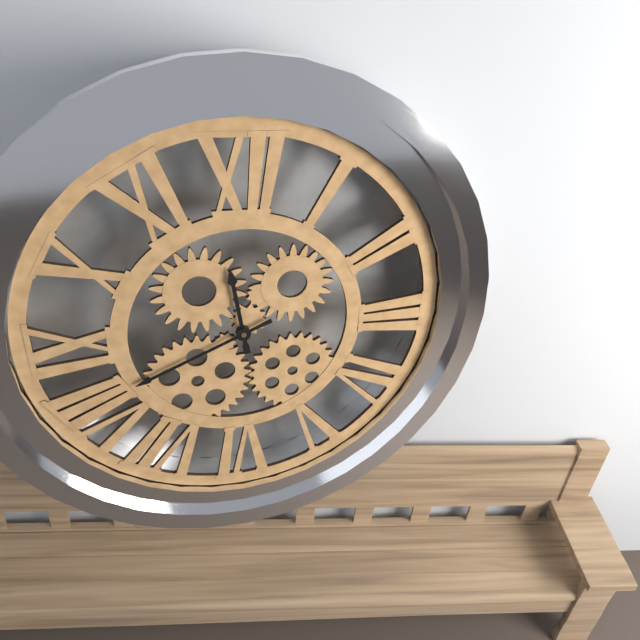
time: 11:41
